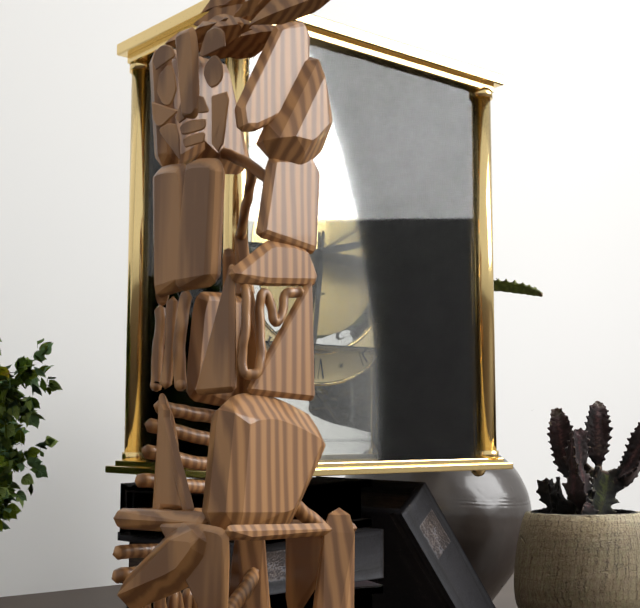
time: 2:31:10
